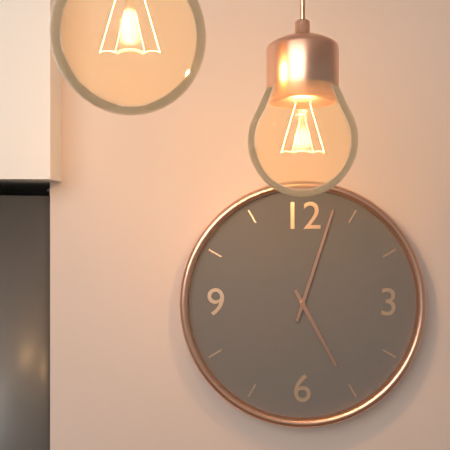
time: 5:03
